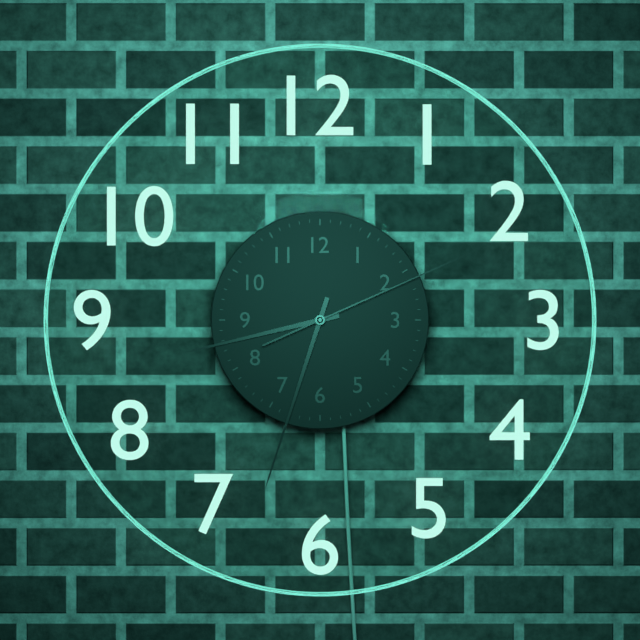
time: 8:33:11
